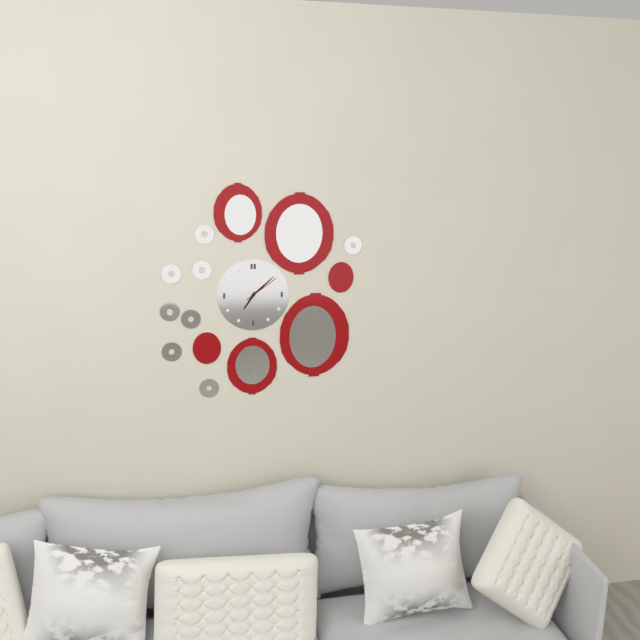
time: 7:08
